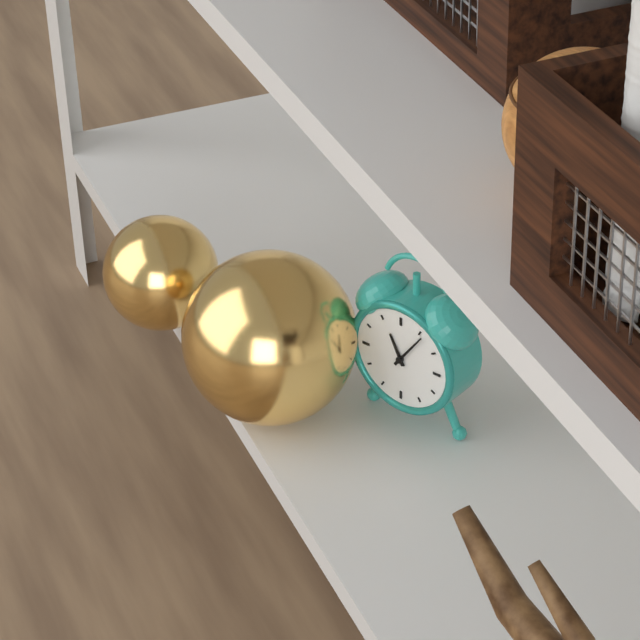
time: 11:06
